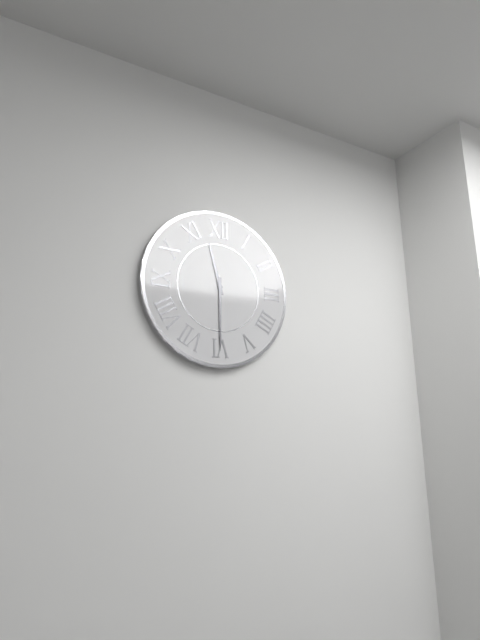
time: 11:30
